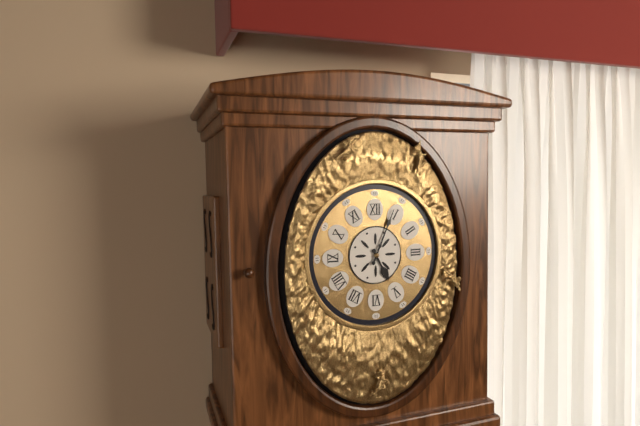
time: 5:04
